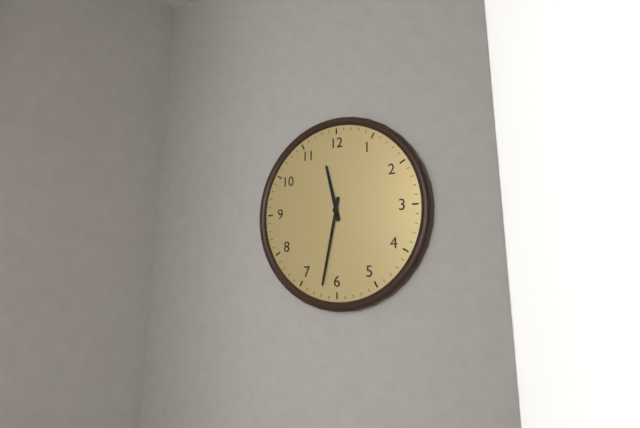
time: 11:32
